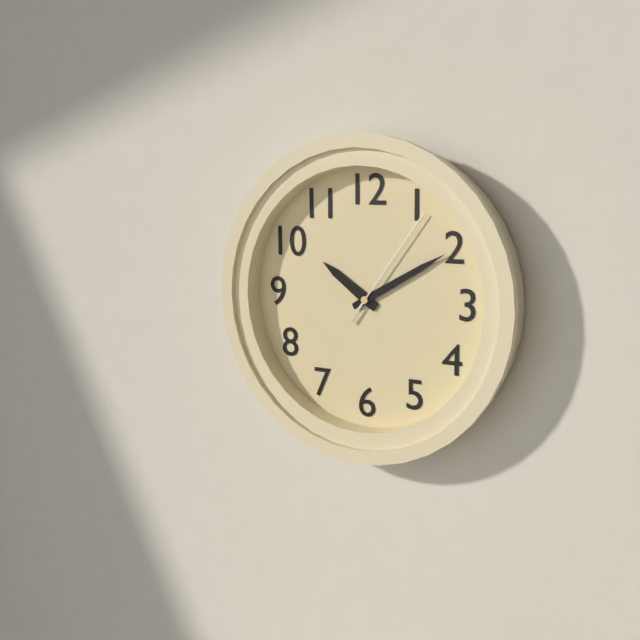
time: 10:10:06
